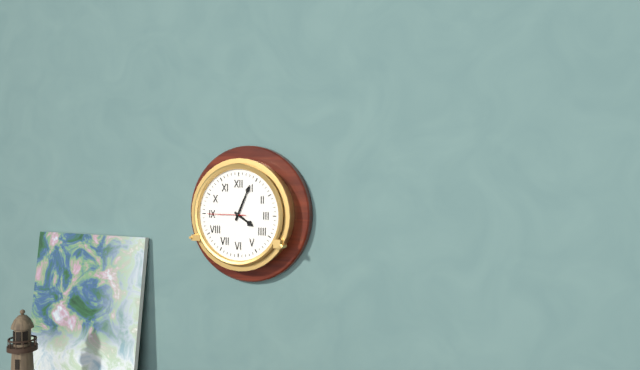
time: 4:04
